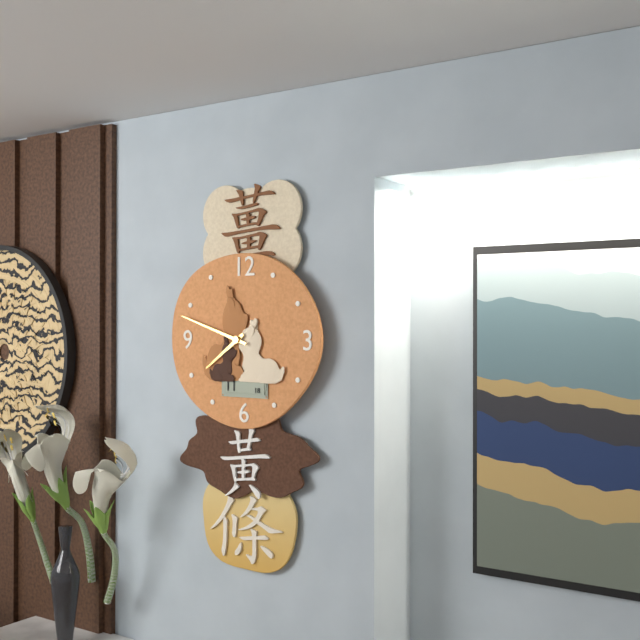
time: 7:48
